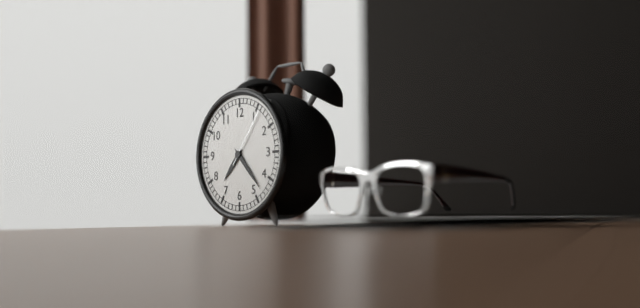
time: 7:23:06
